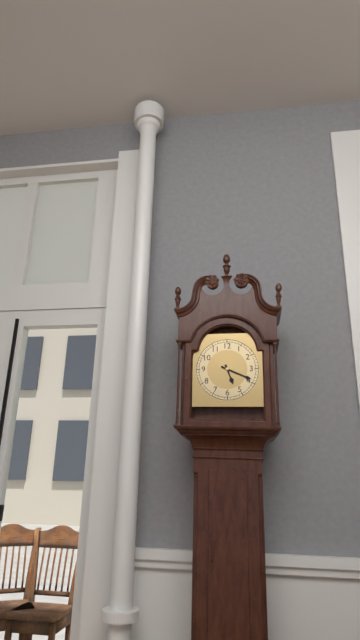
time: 5:19
